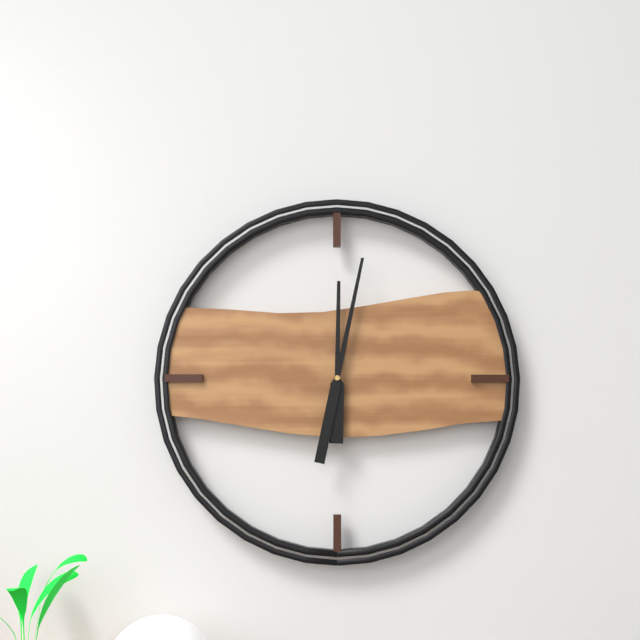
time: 12:02
